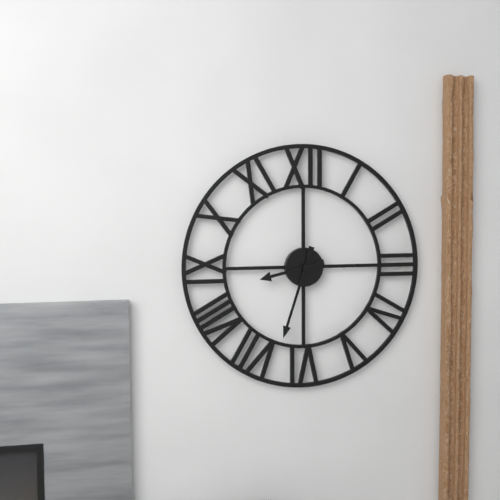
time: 8:33
